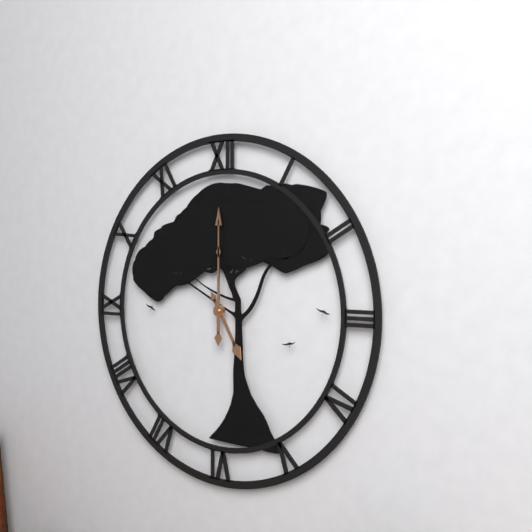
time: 5:00
